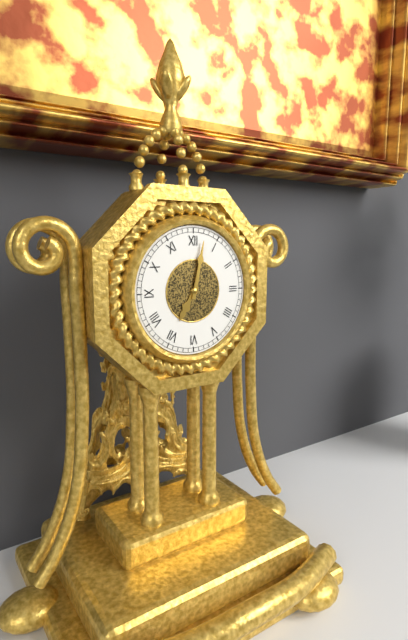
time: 7:02
